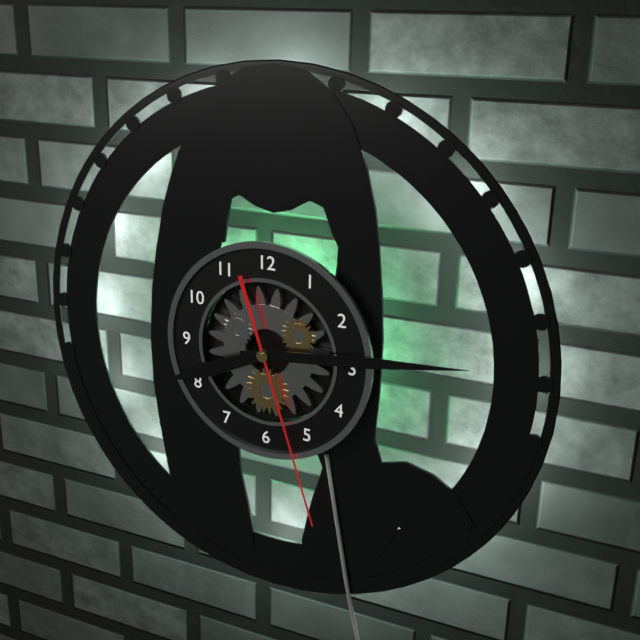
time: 8:14:27
